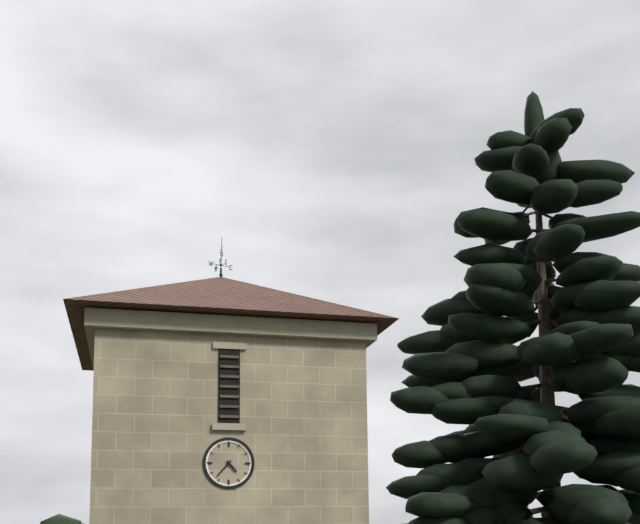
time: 4:37
